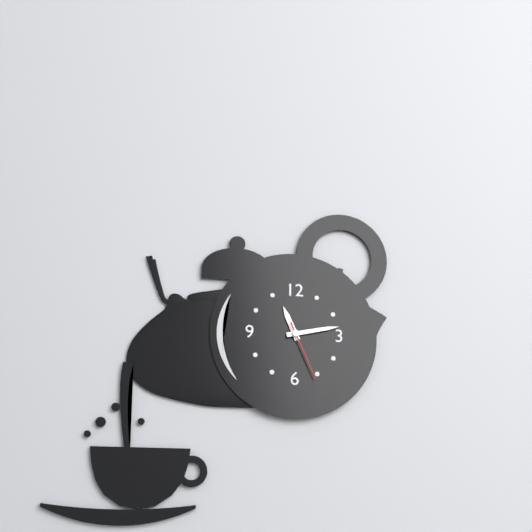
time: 11:13:26
